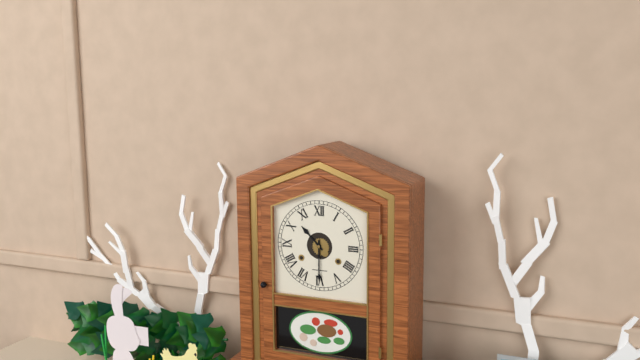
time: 10:30
